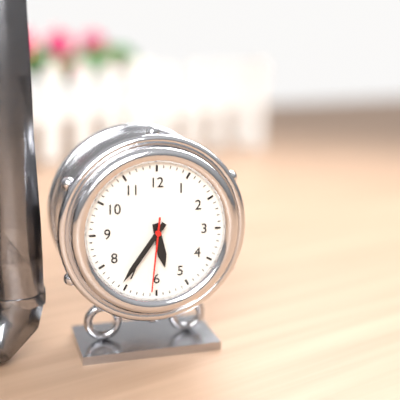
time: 5:36:31
